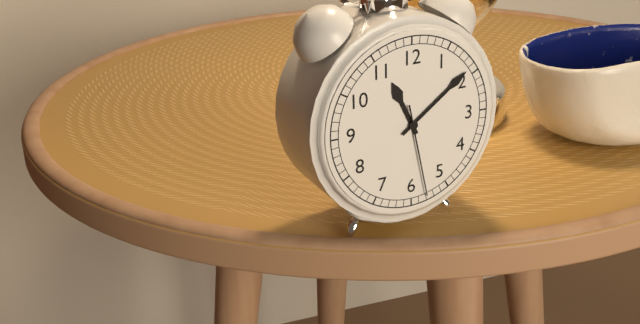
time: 11:09:28
